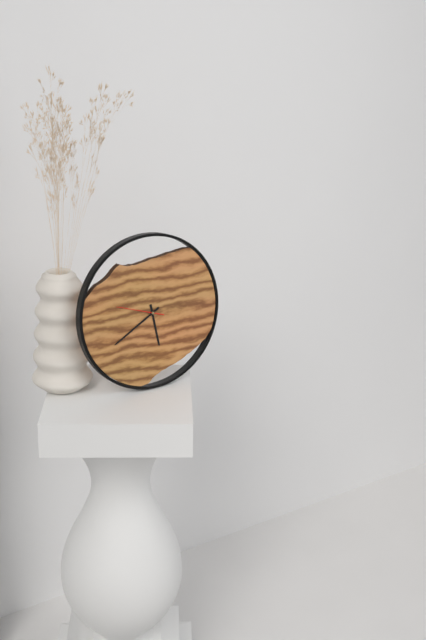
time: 5:40
